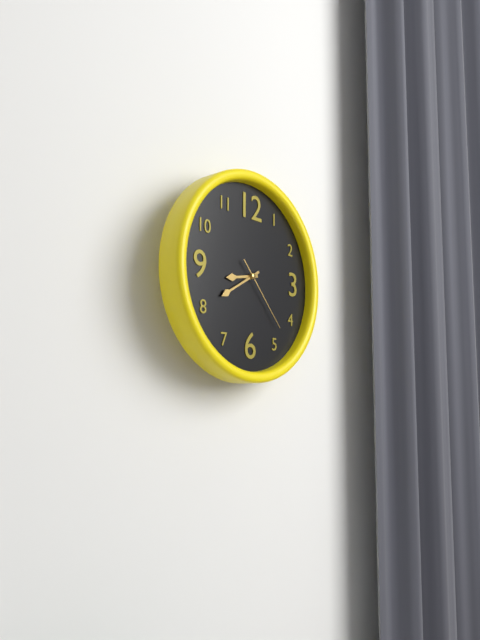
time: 8:40:23
